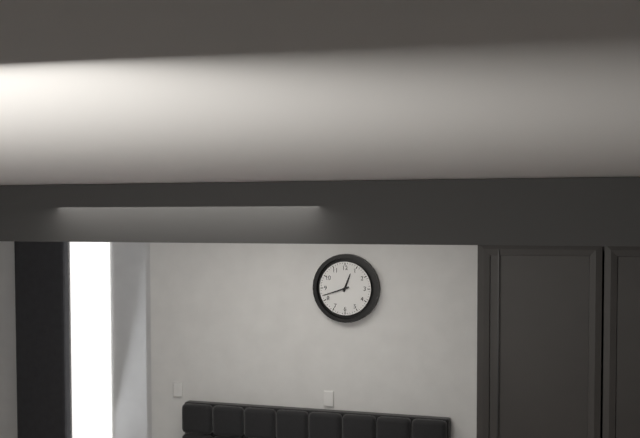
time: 12:42
